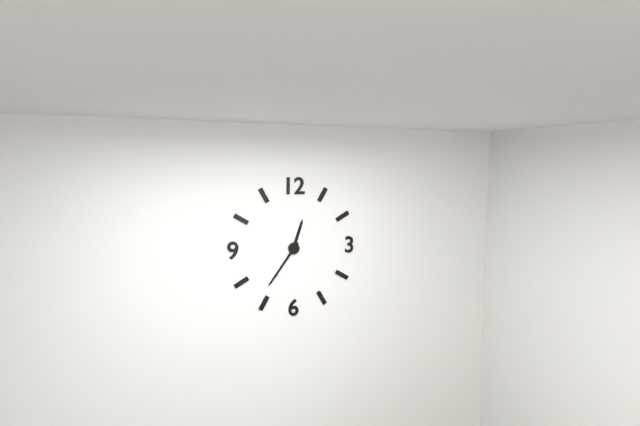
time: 12:36
